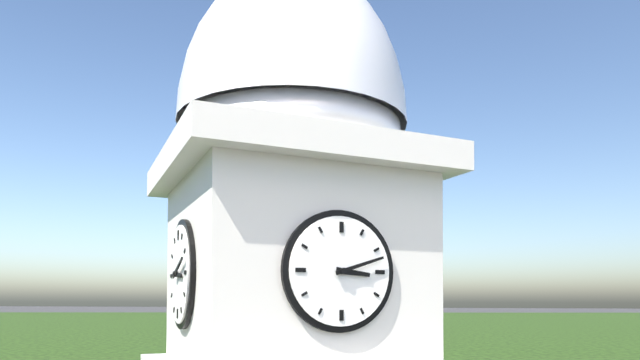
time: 3:12
